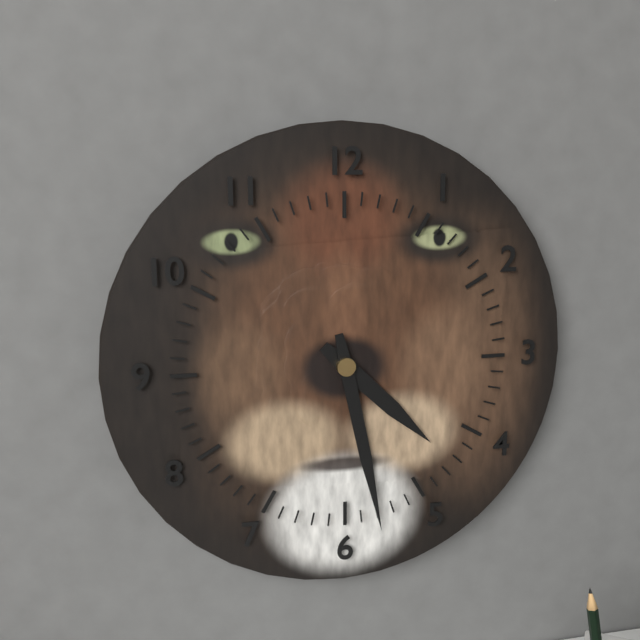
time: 4:28
